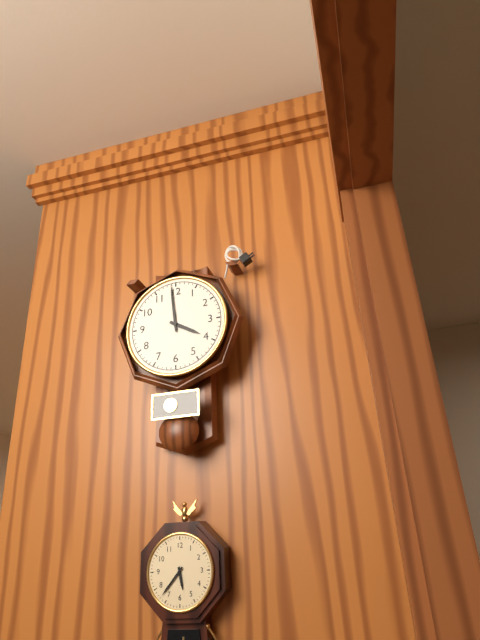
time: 3:59
